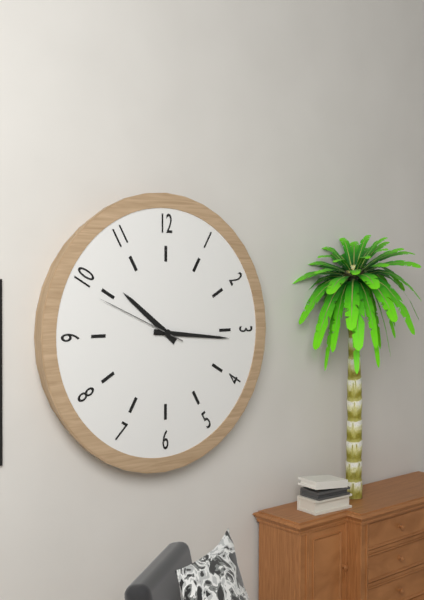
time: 10:16:49
